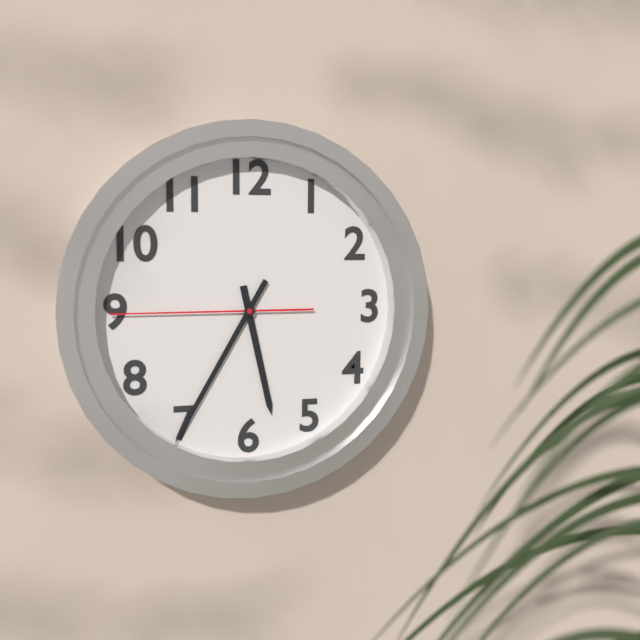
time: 5:35:45
